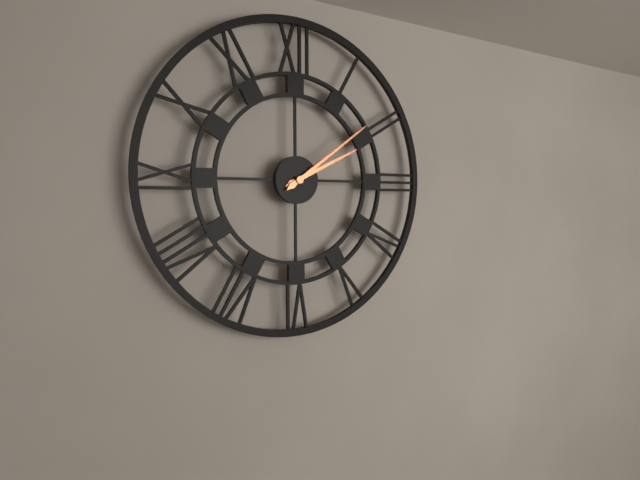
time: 2:09
